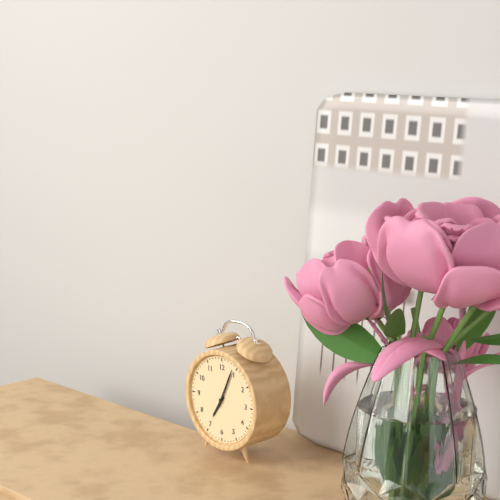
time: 7:04
